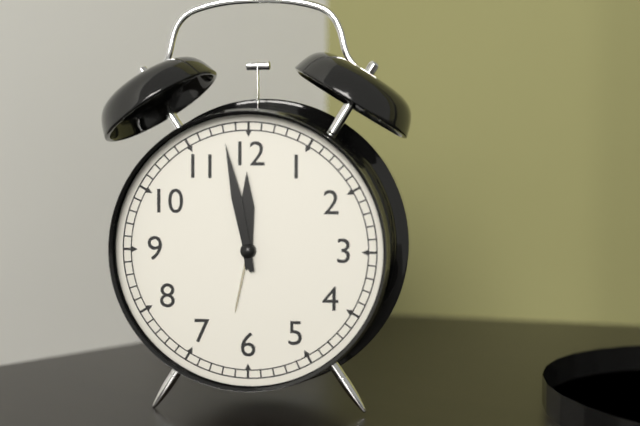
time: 11:58
